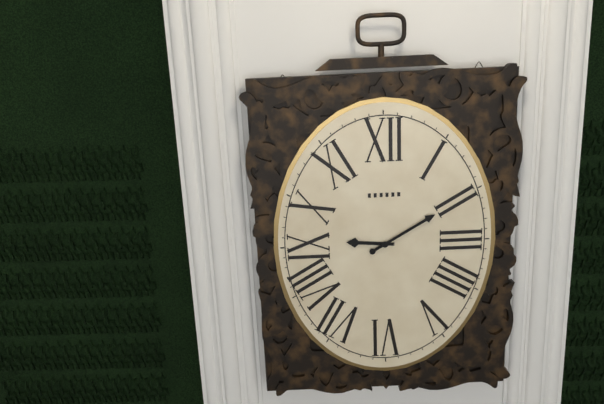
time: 9:10
